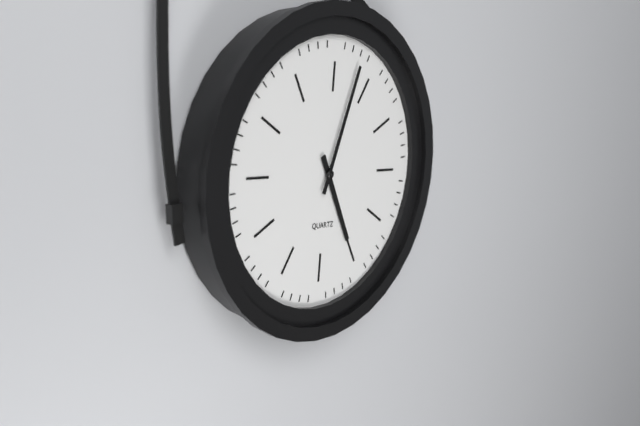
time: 5:03
